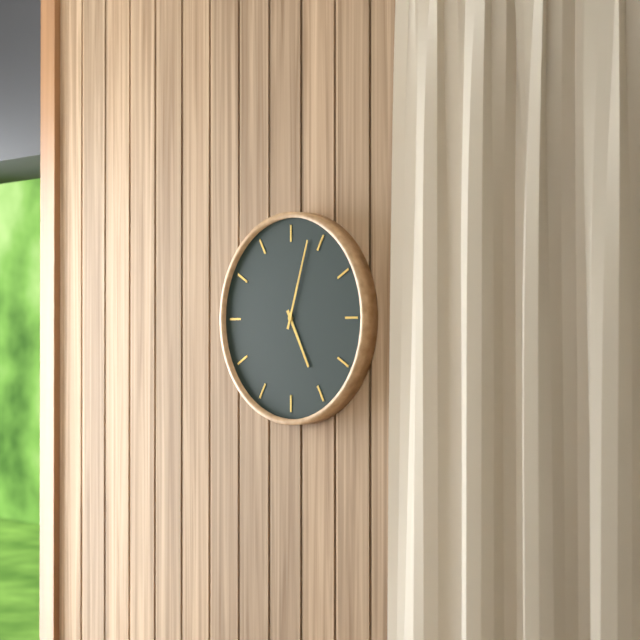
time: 5:03
